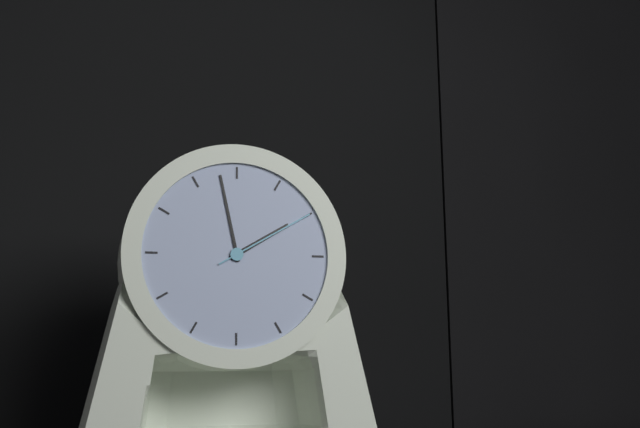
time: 1:58:10
